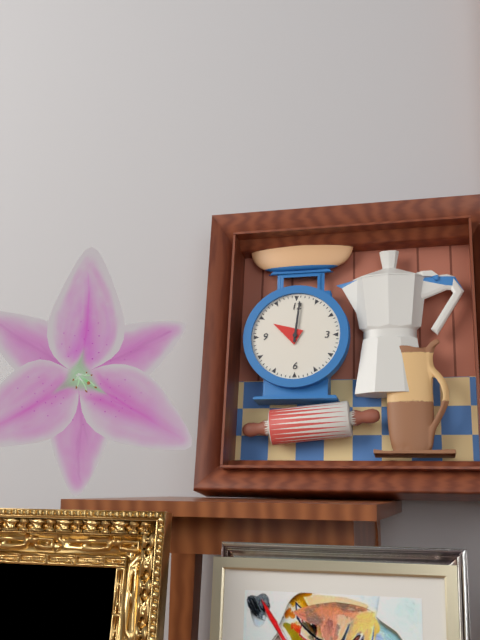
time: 10:01
